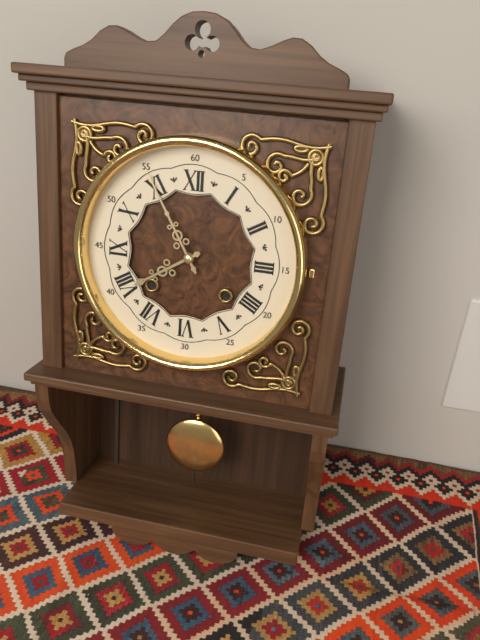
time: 7:55
